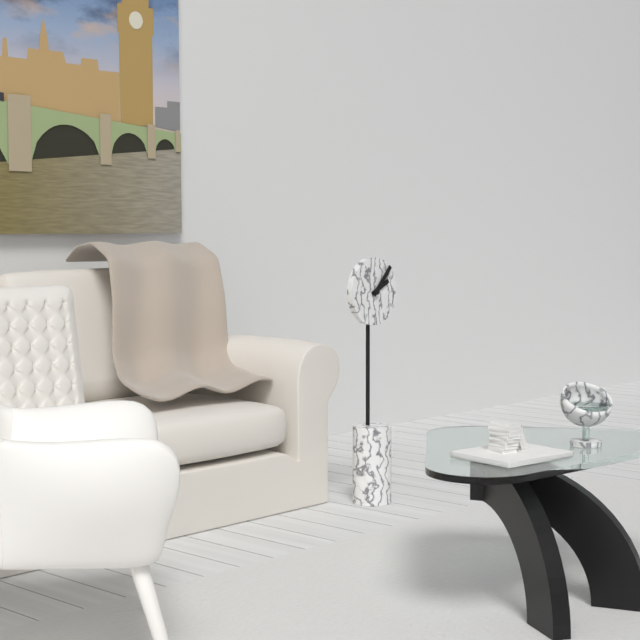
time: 2:07
